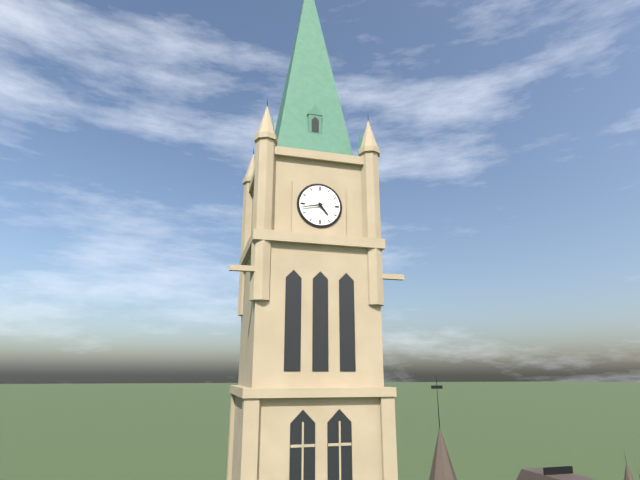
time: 4:43
